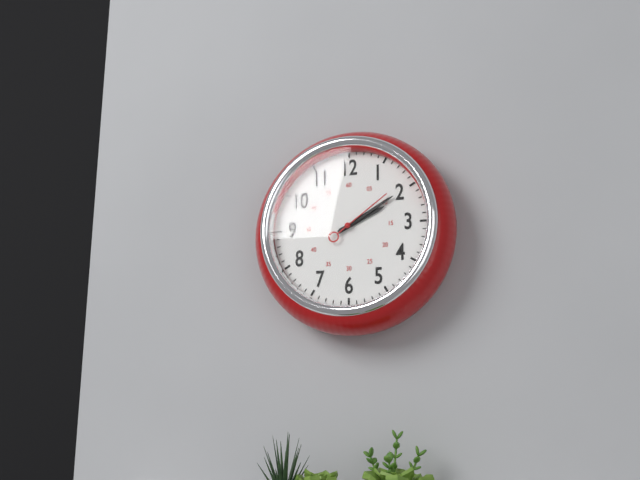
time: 2:10:09
